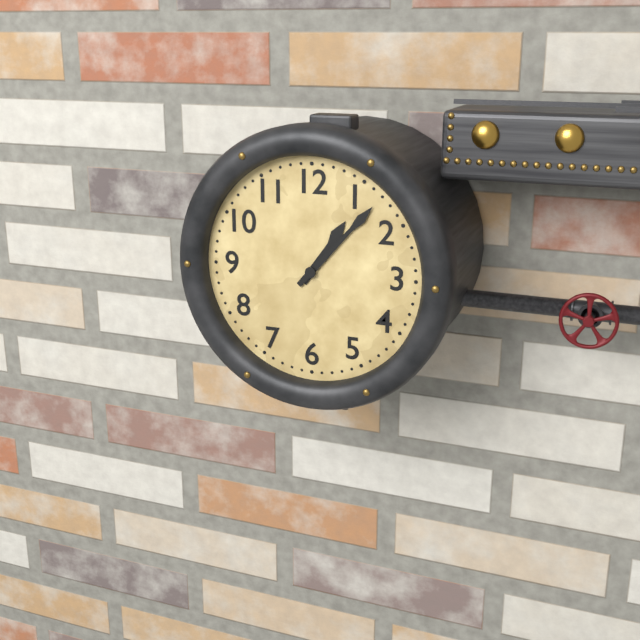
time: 1:07
